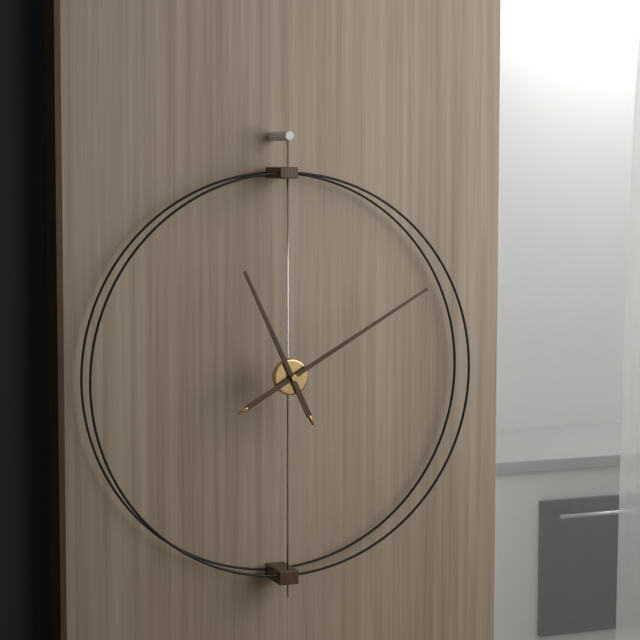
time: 11:10
